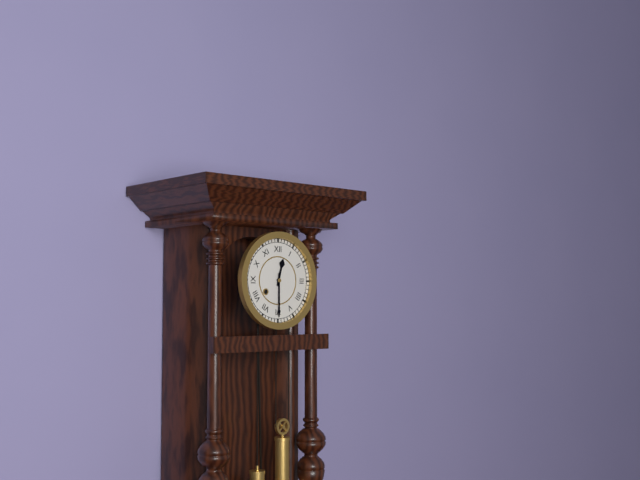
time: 12:30
